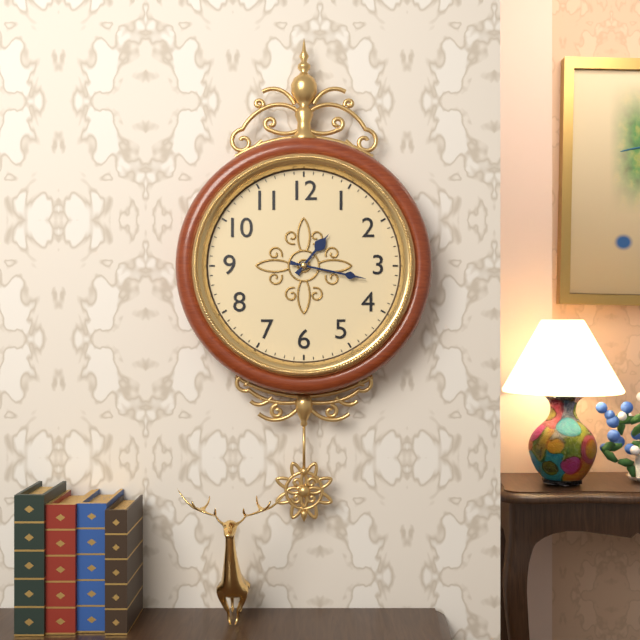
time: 1:17
